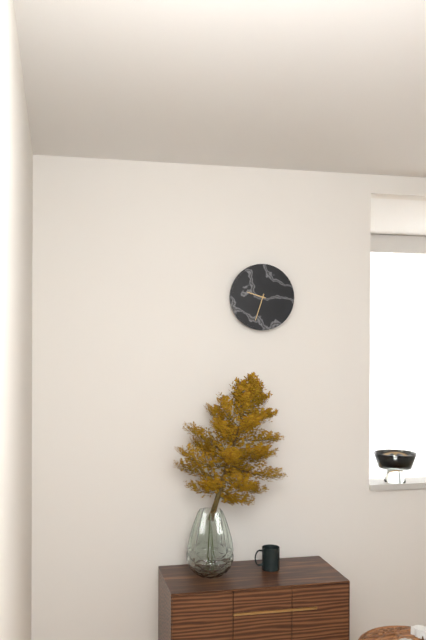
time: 9:33
